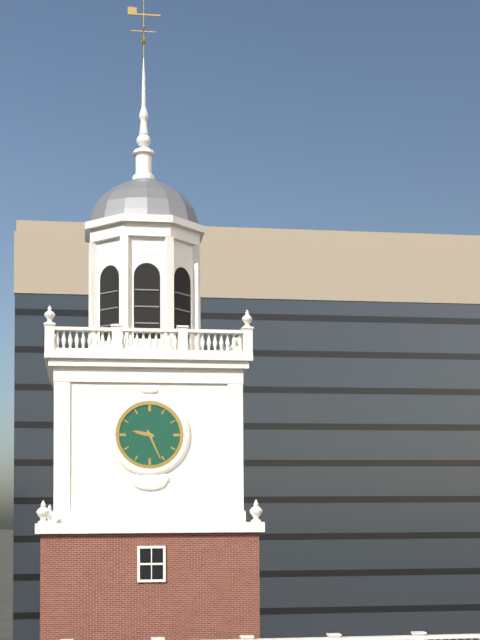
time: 9:26
